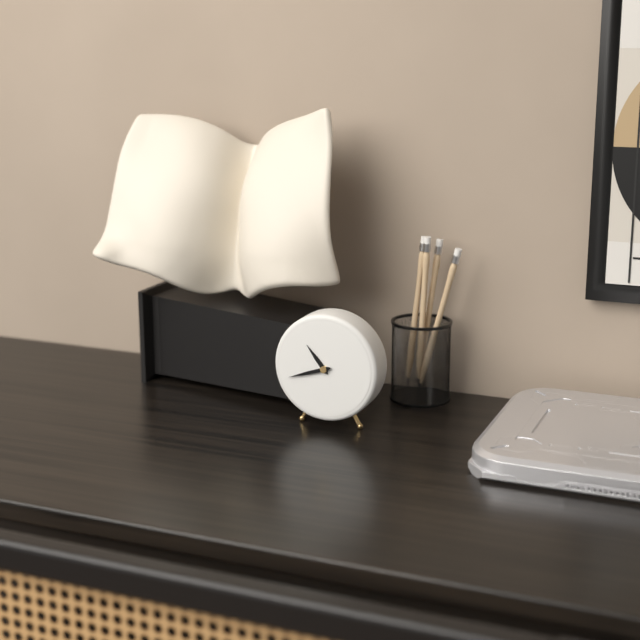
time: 10:42
